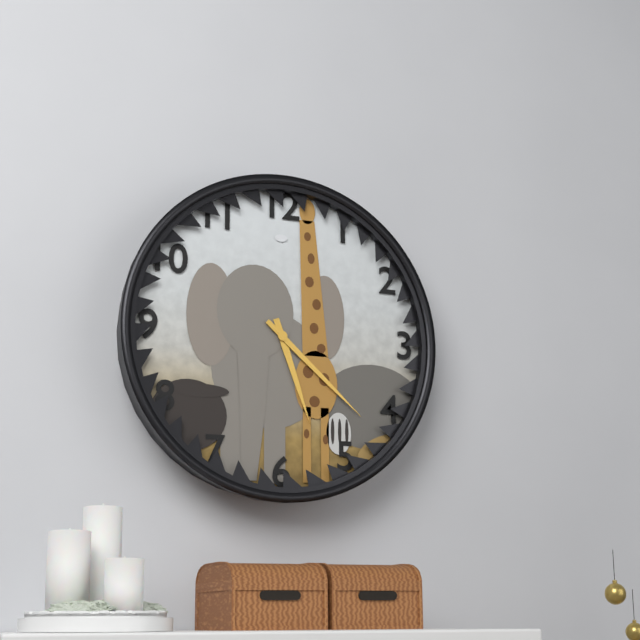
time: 5:22
